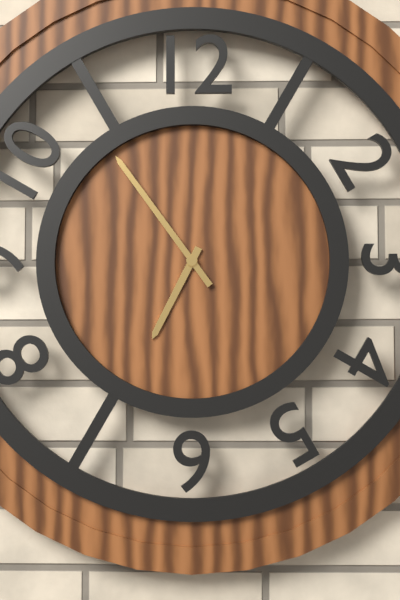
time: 6:54
